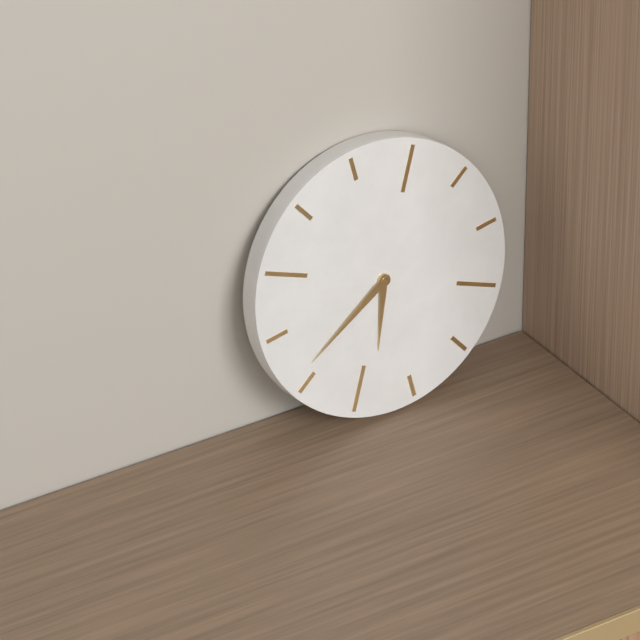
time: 6:41
